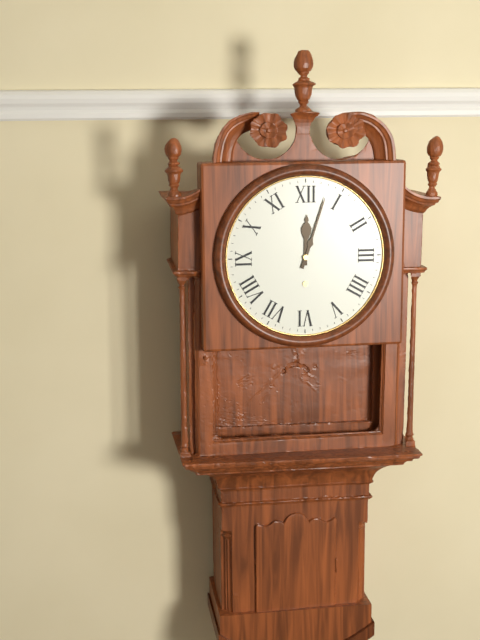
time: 12:03
